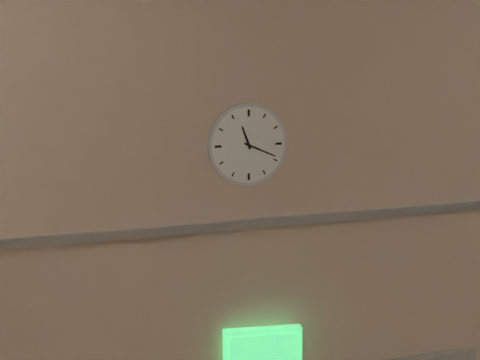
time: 11:19
